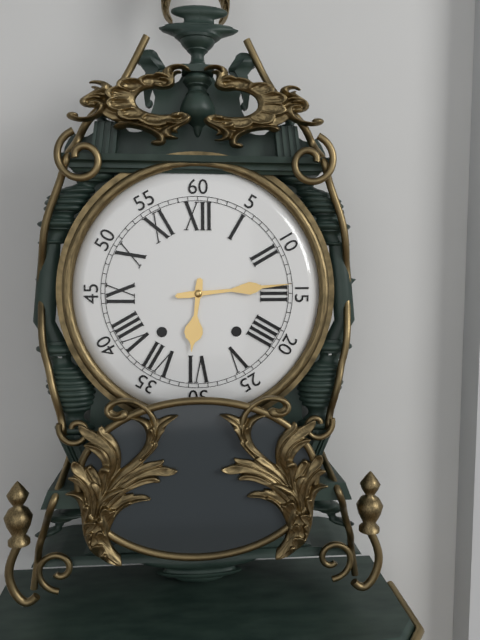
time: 6:14
